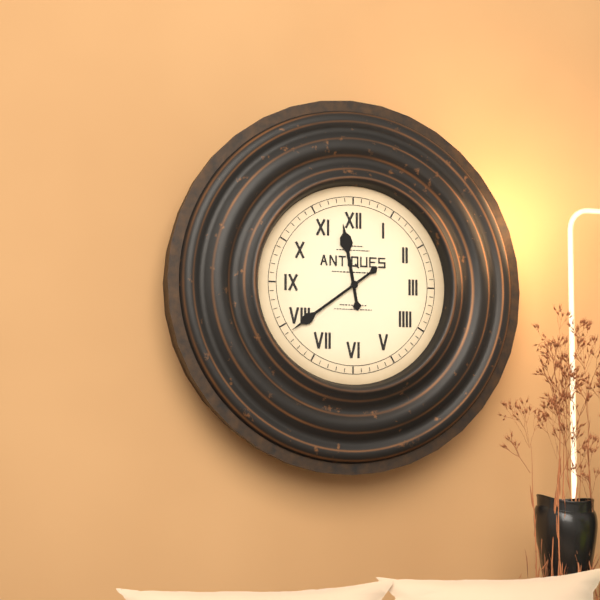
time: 11:39
